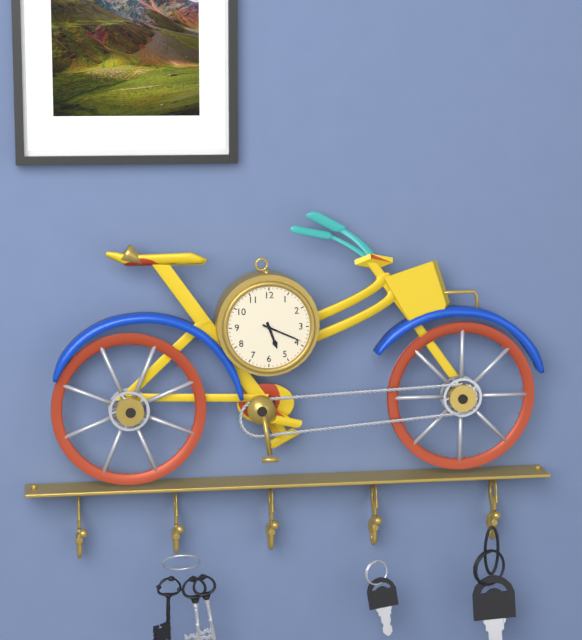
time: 5:19
